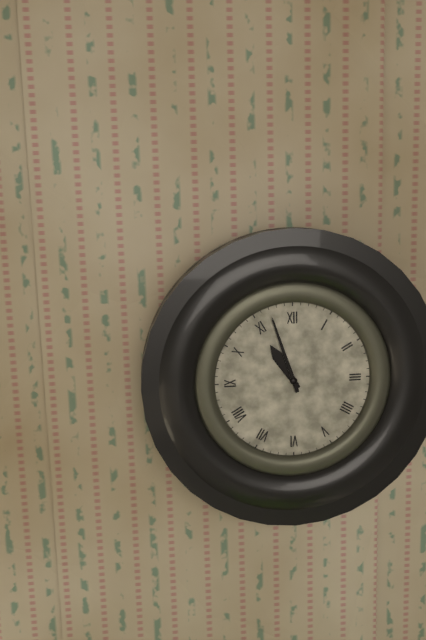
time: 10:57
